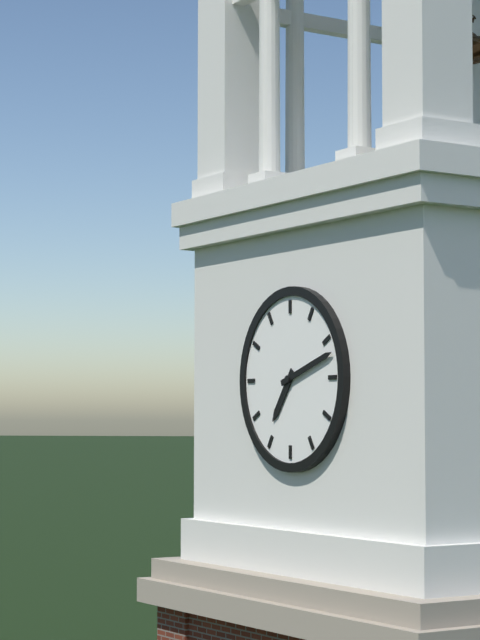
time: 7:12
